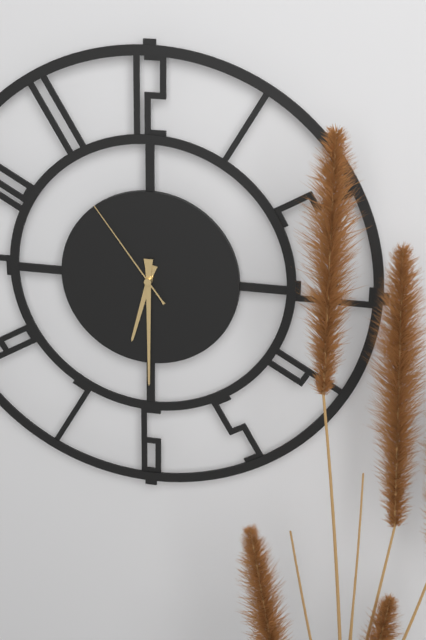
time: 6:30:54
